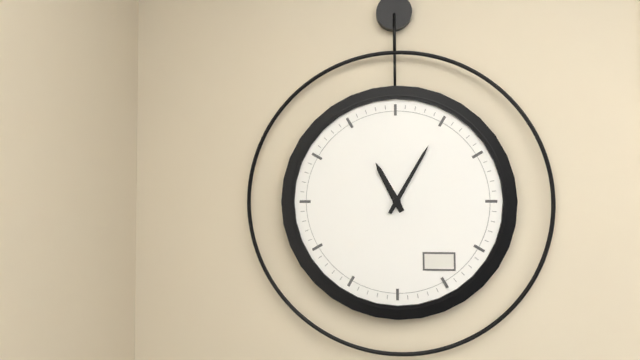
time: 11:05
